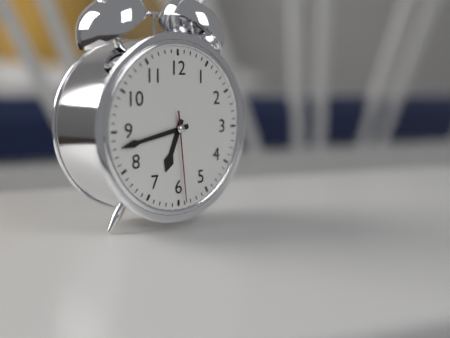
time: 6:43:29
